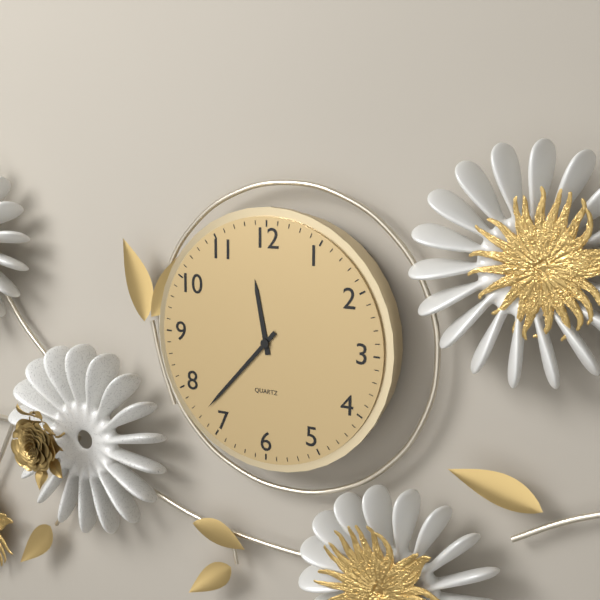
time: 11:37
